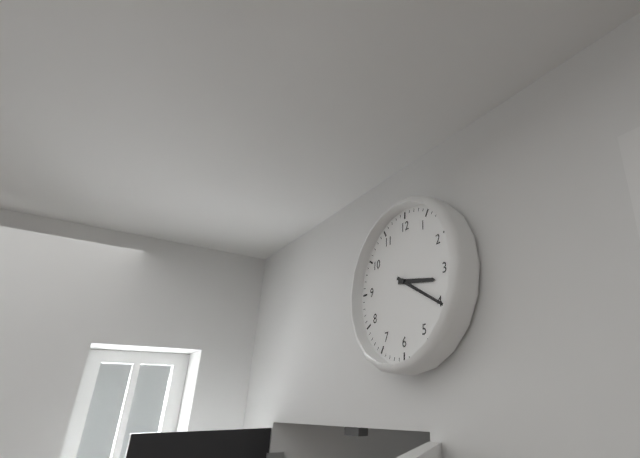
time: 3:20
